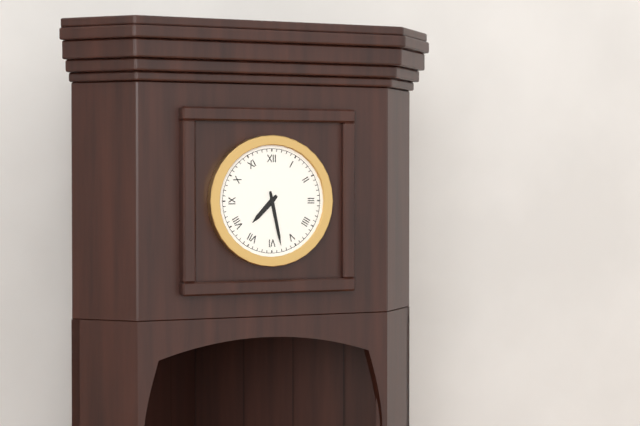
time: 7:28
